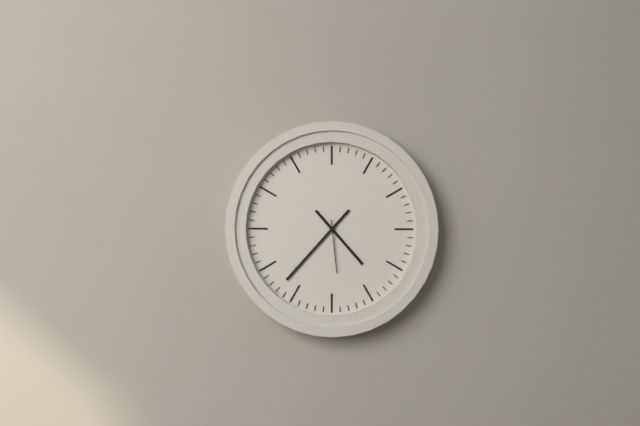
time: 4:37:29
